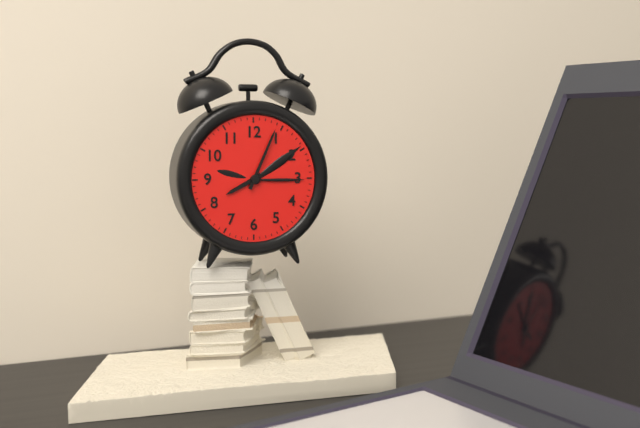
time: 8:04
